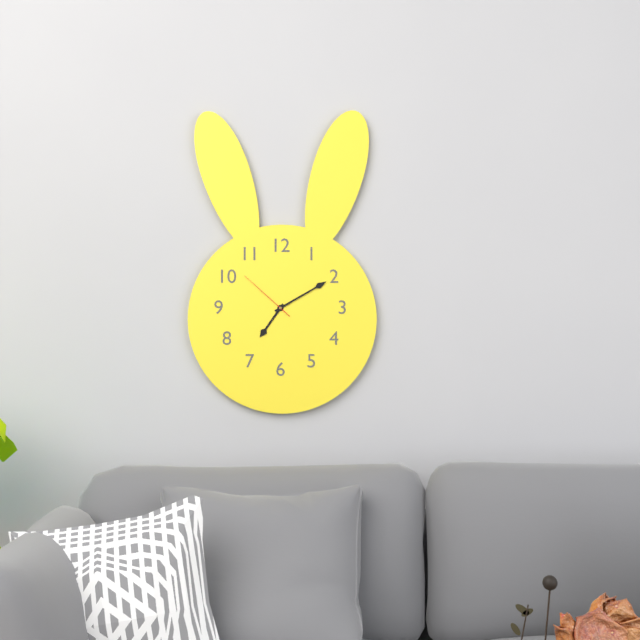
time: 7:10:52
